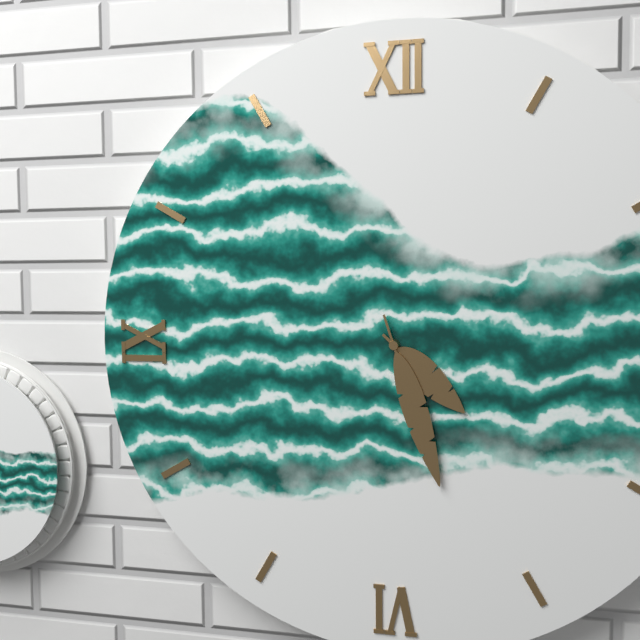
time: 4:27
